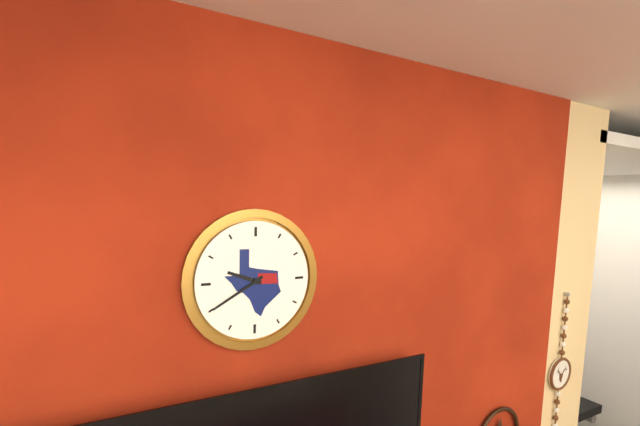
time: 9:40
